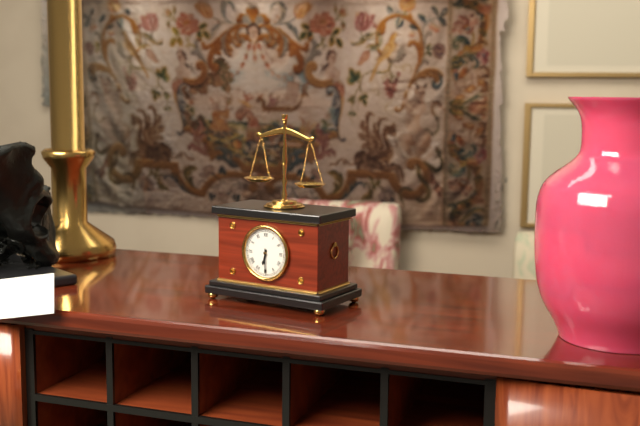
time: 6:30
